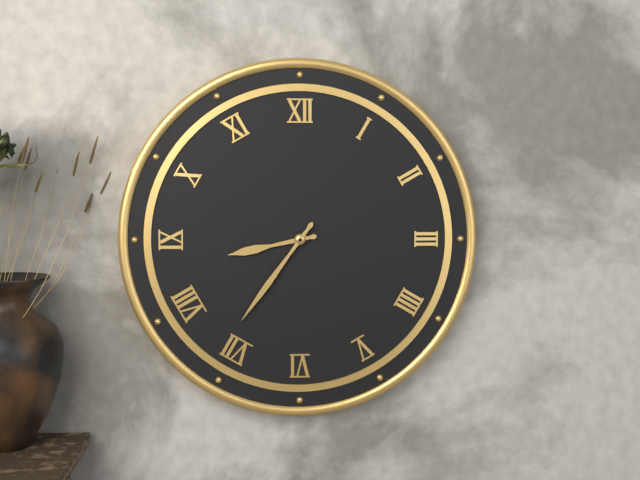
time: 8:36
